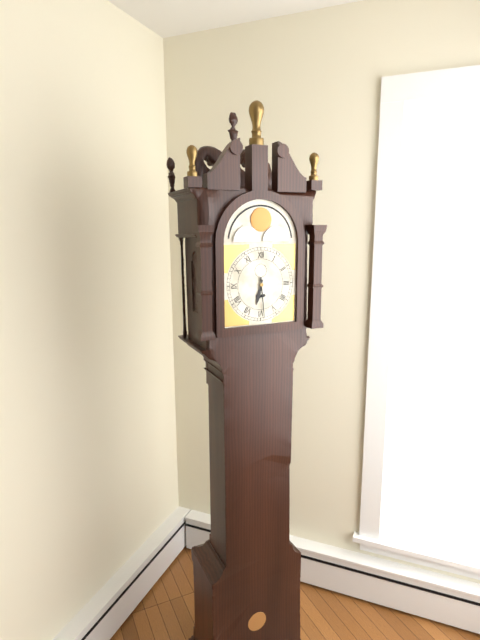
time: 6:29
